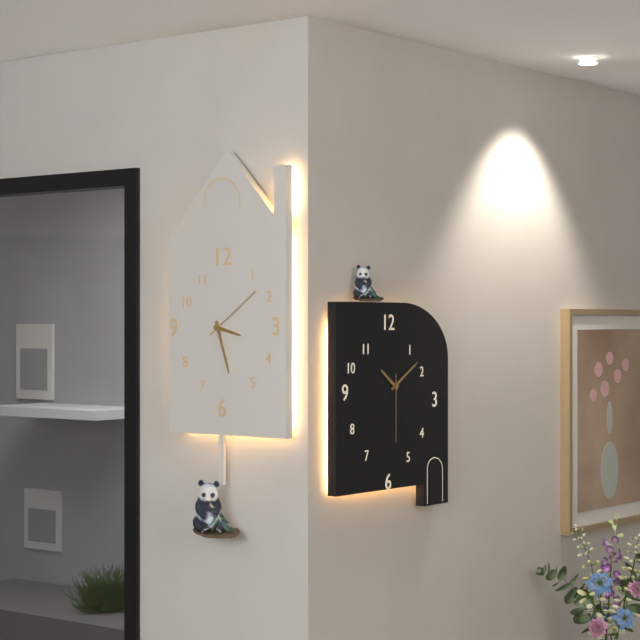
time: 3:27:09
